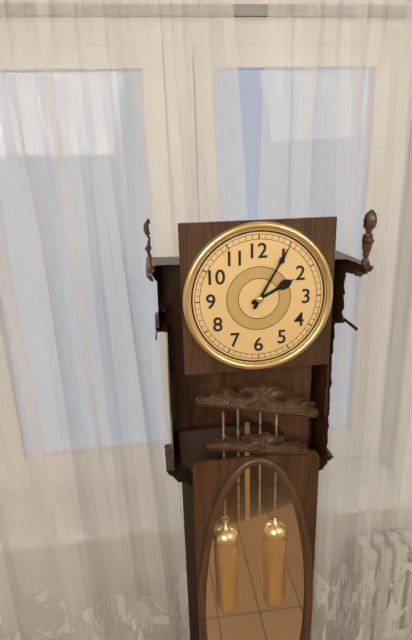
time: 2:05
